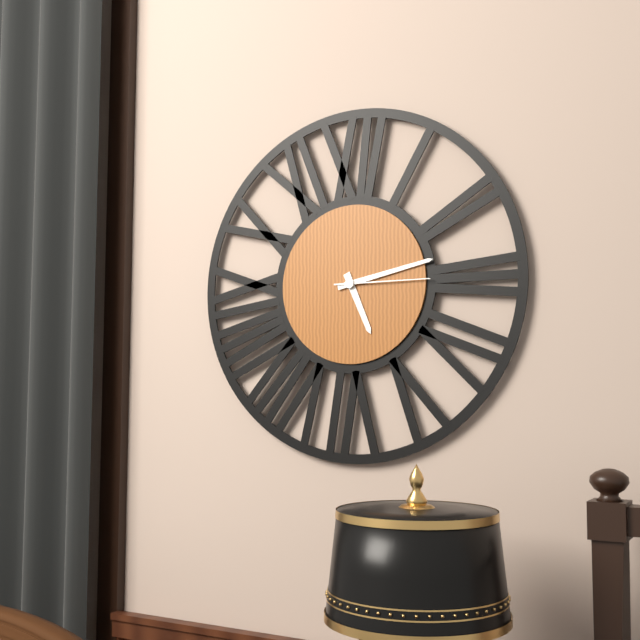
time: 5:13:15
